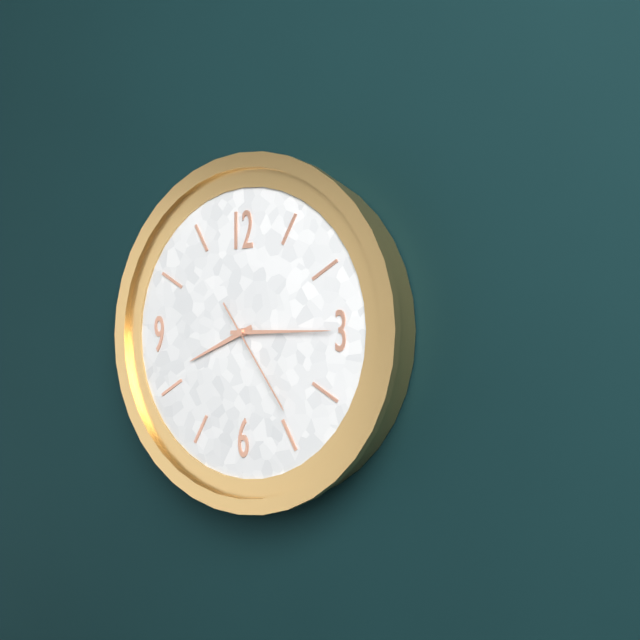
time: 8:15:24
